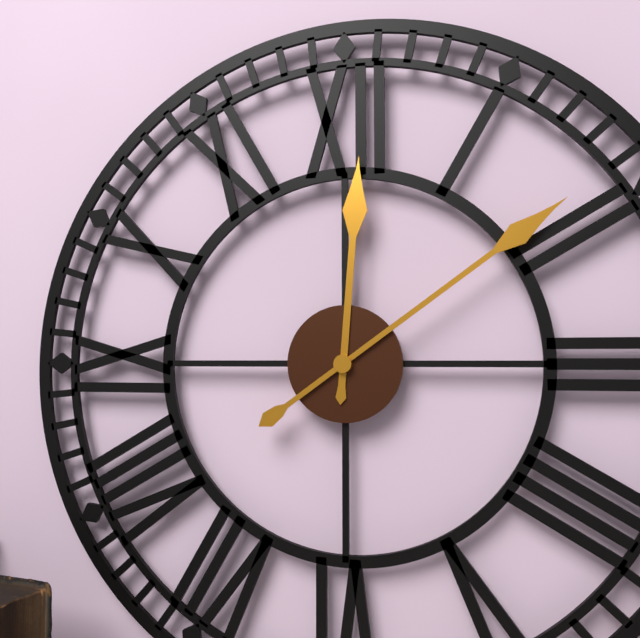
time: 12:09
